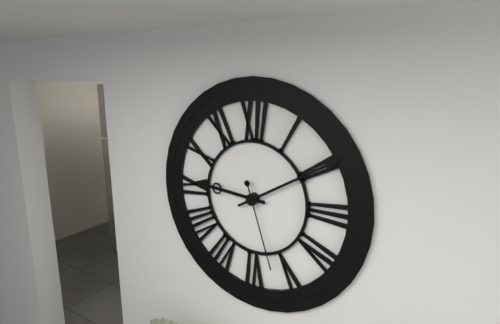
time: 9:10:27
